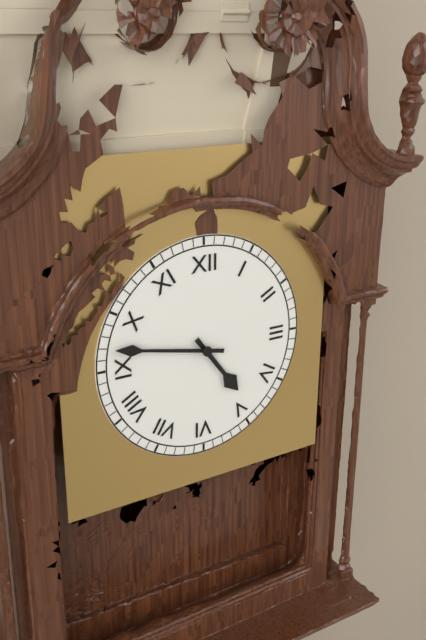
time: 4:47
